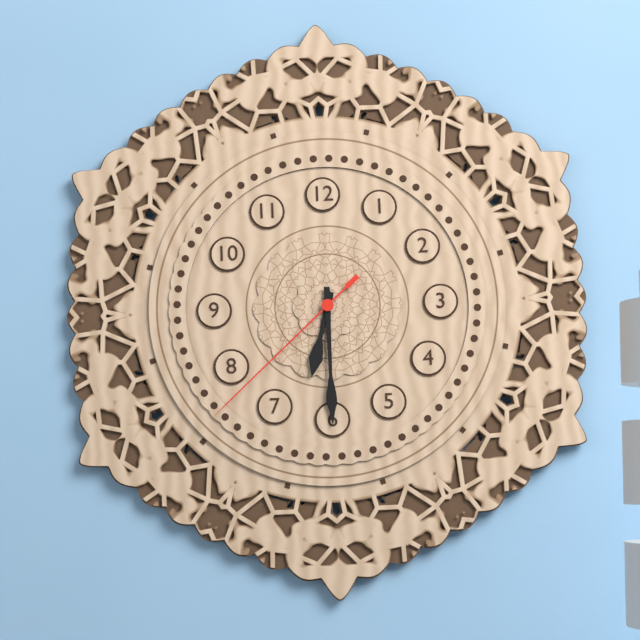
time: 6:30:38
